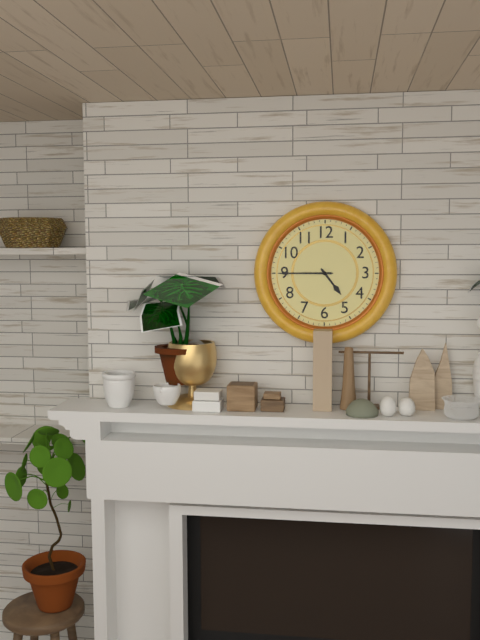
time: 4:45
